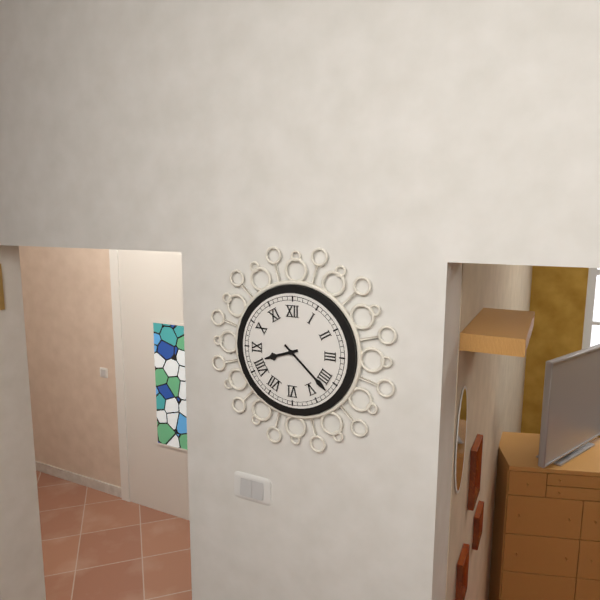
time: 8:22
